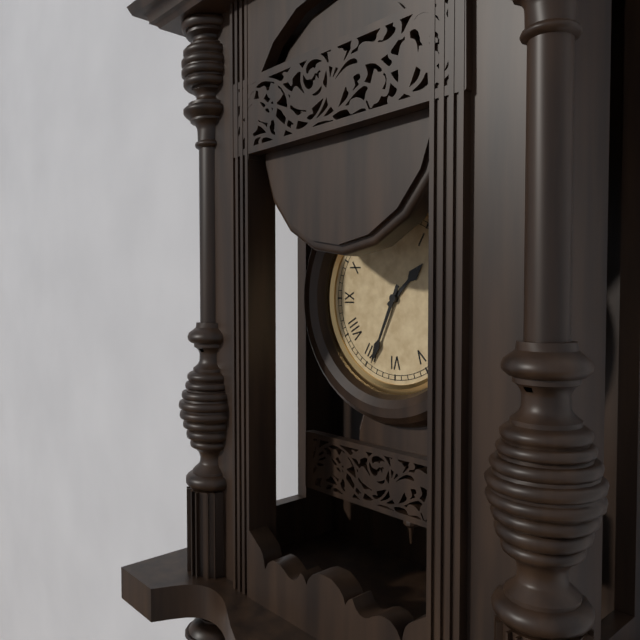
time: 1:34
